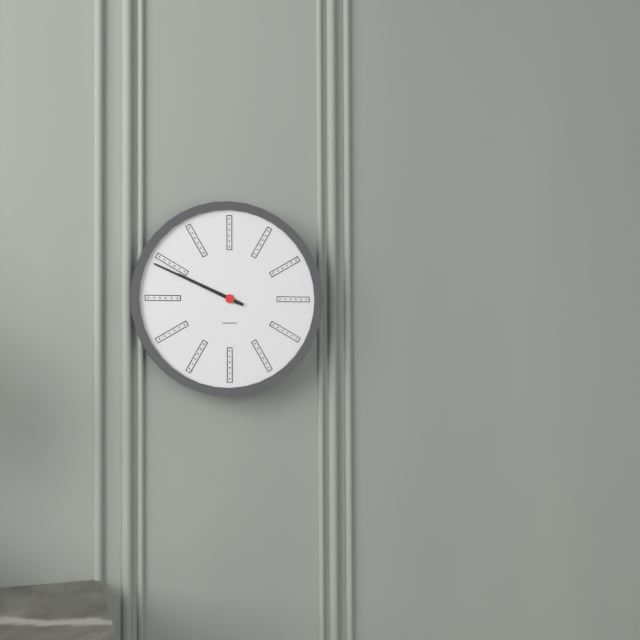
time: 9:49
